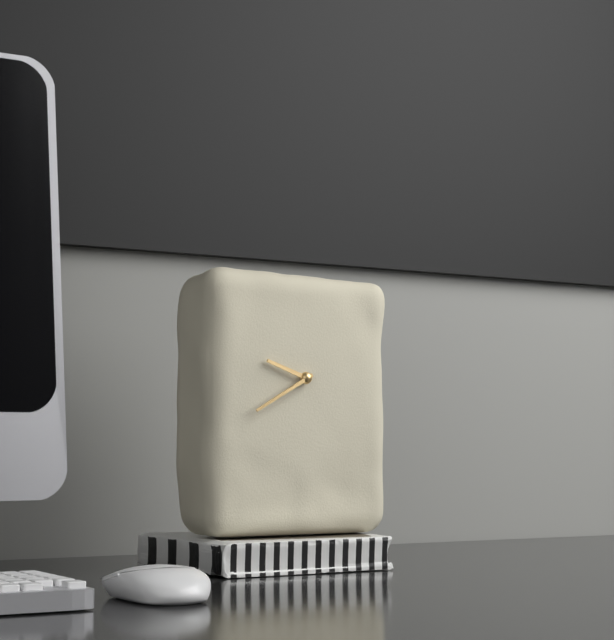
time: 9:40
